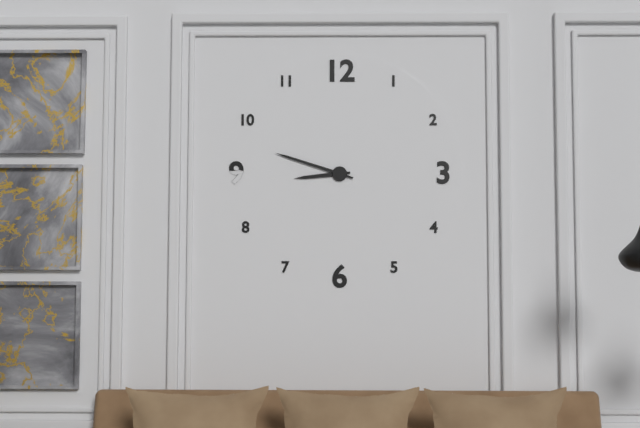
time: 8:48
